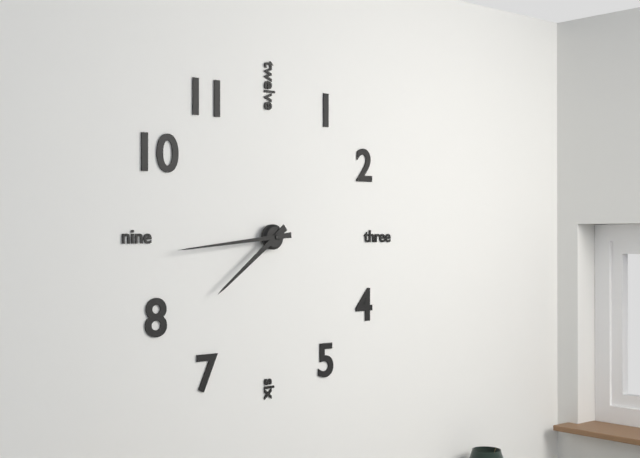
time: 7:44
